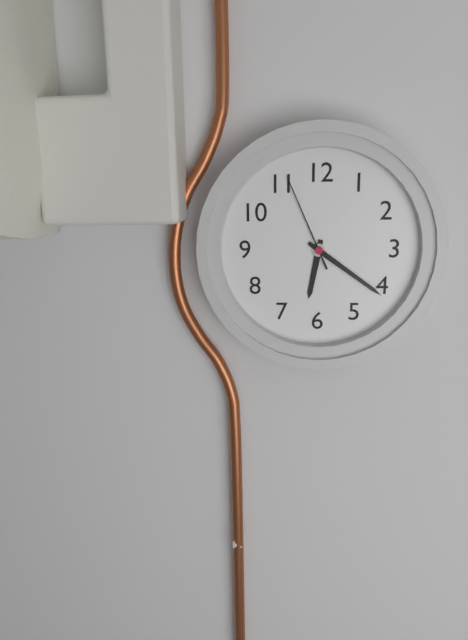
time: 6:21:56
